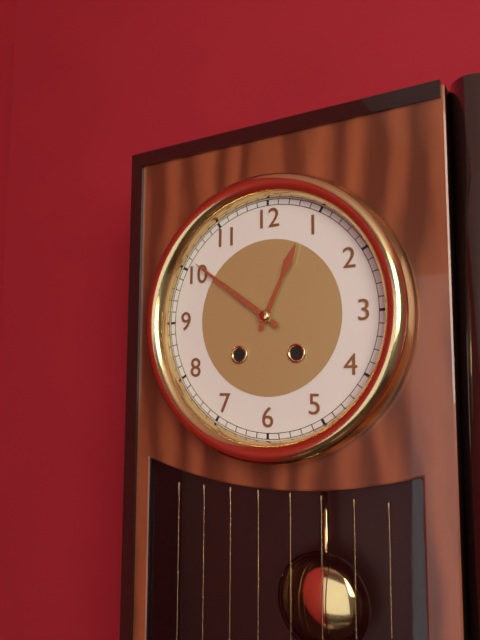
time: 12:51
